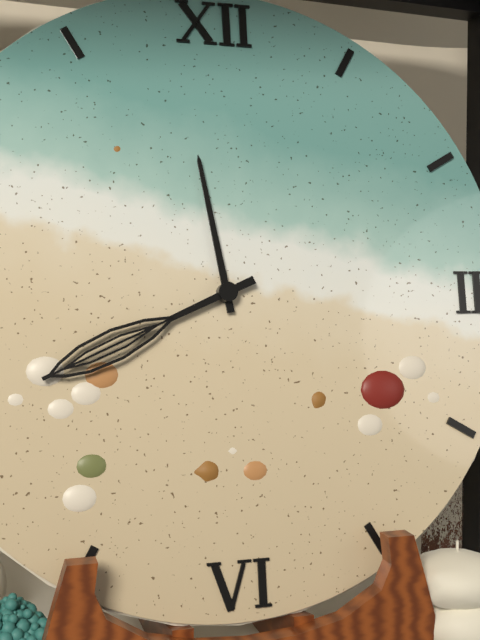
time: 11:41
